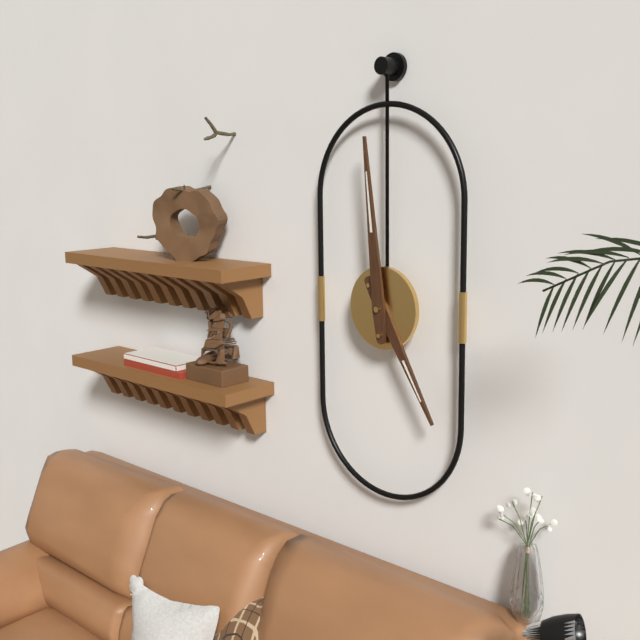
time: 4:59
